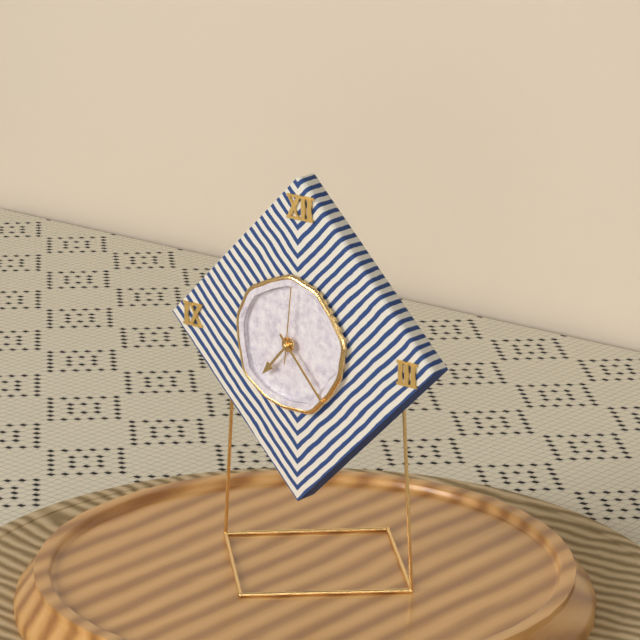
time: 7:23:01
